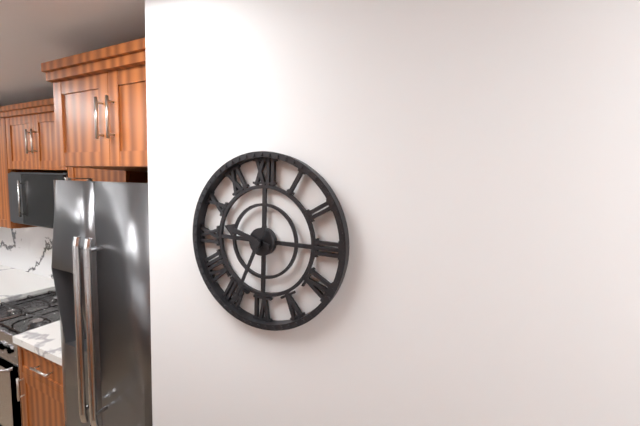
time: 9:34
